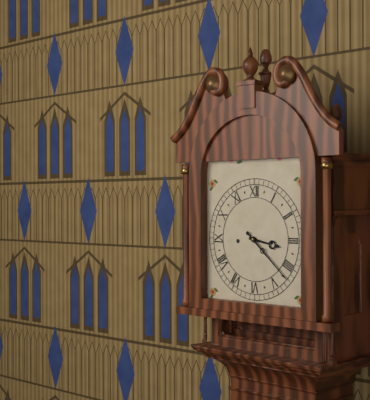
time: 3:22
